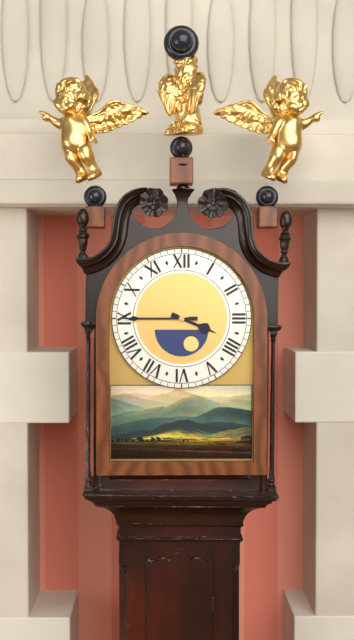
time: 3:45
